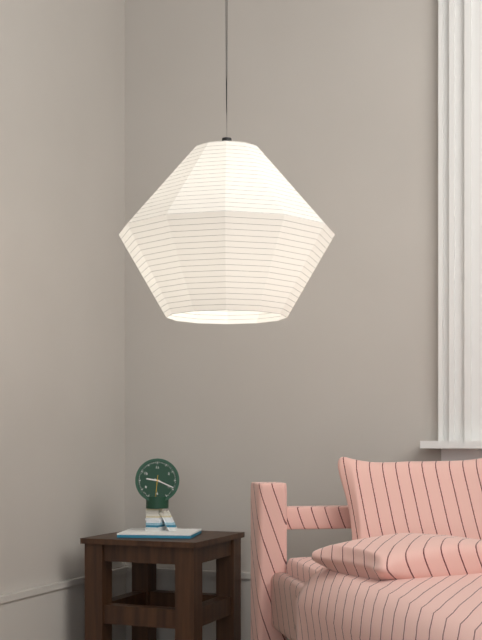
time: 9:19
